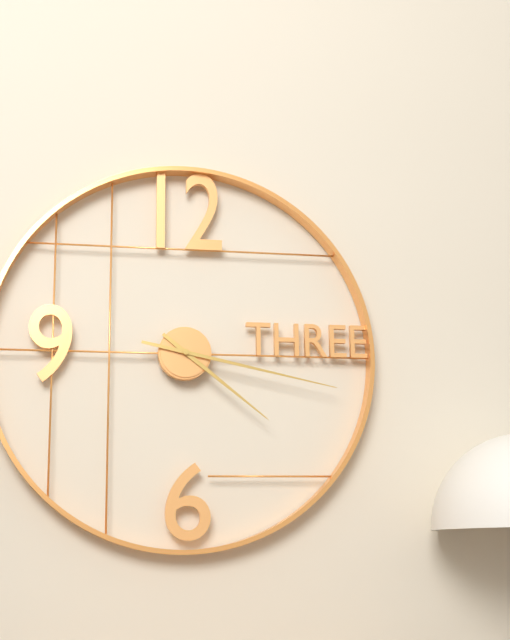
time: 4:17
